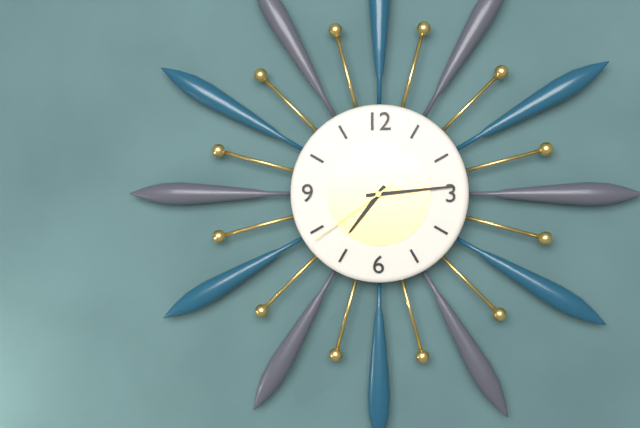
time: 7:14:39
